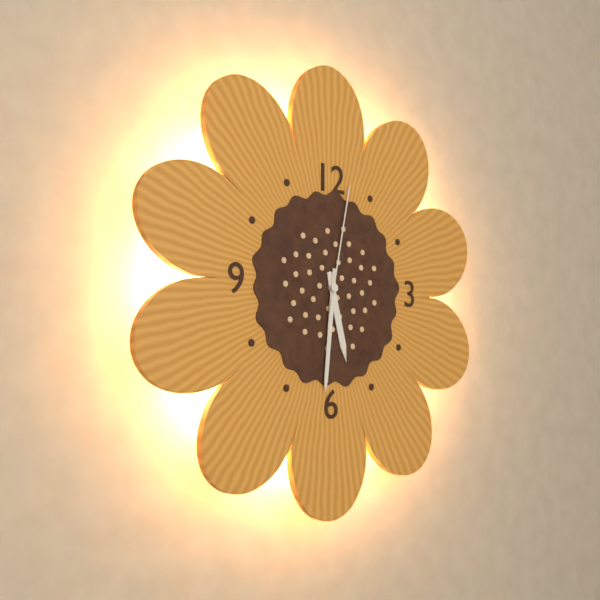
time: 5:31:02
